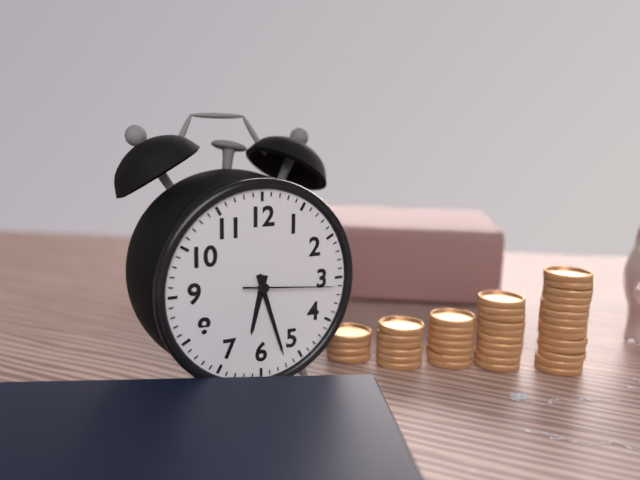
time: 6:27:16
